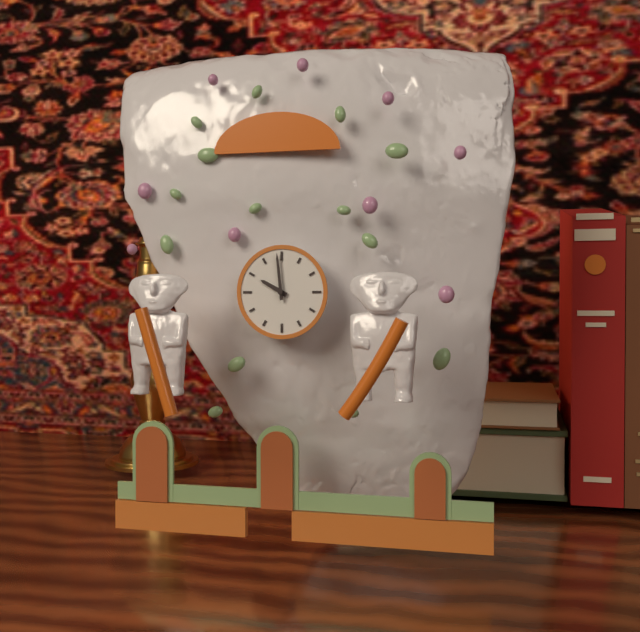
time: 9:59
